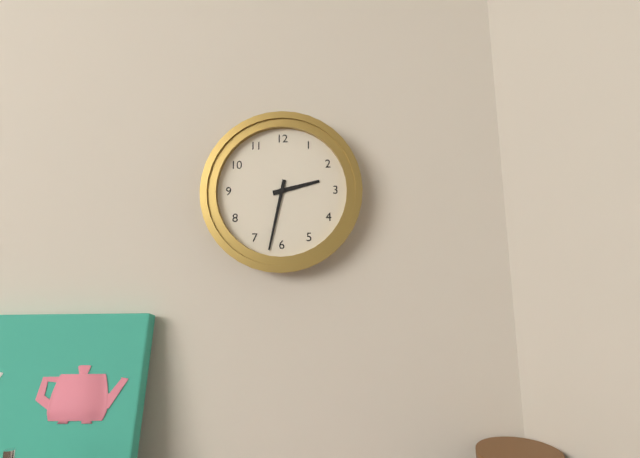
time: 2:32
